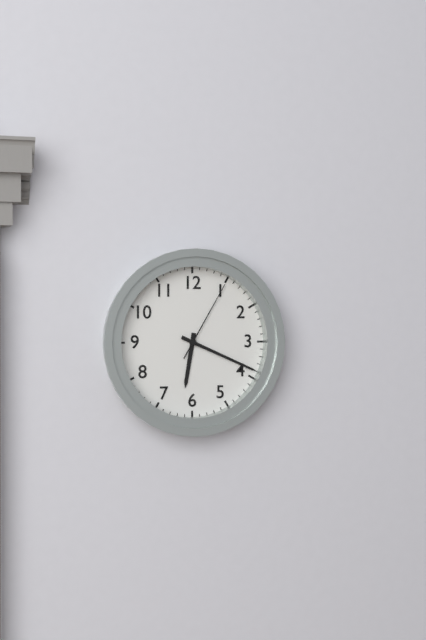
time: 6:19:05
